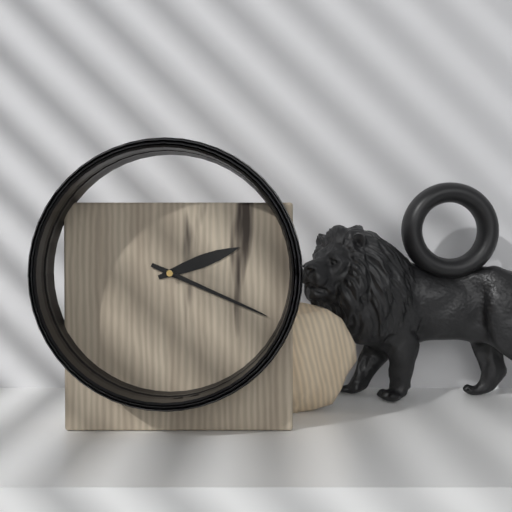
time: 2:19
